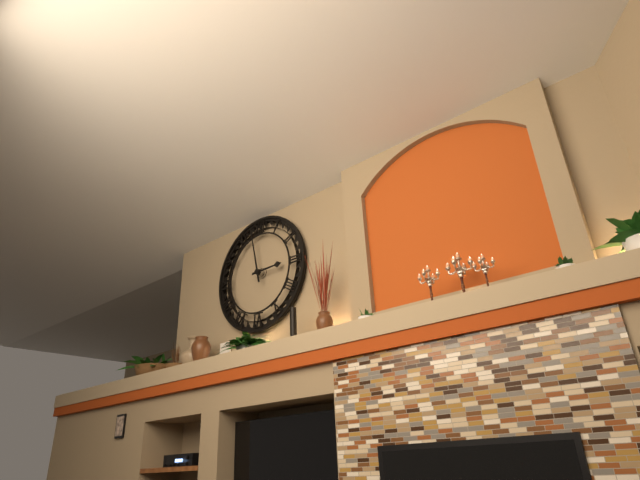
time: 2:58
